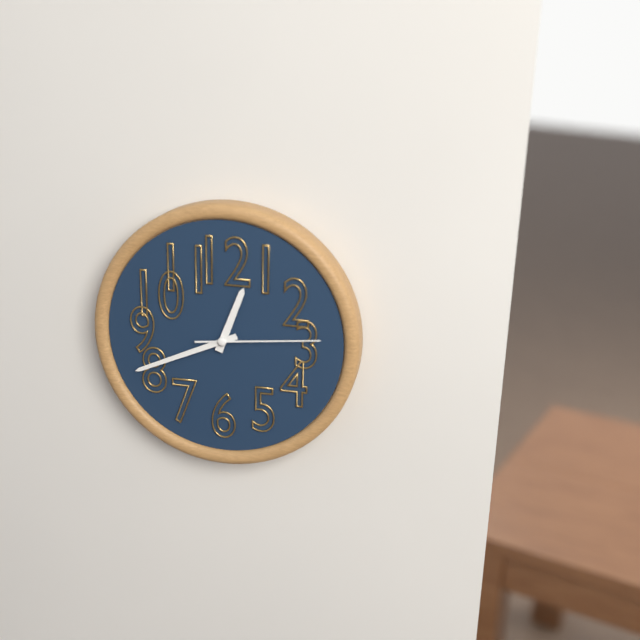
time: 12:41:14
